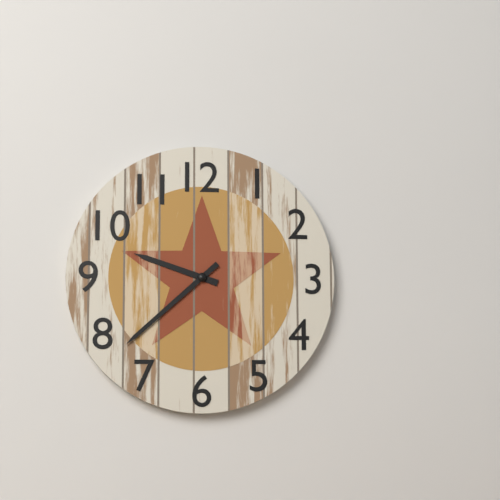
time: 9:38
